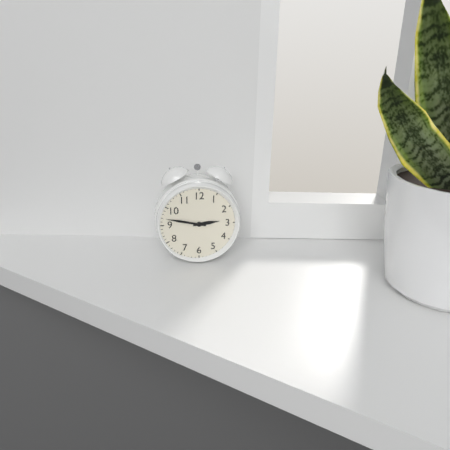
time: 2:47
